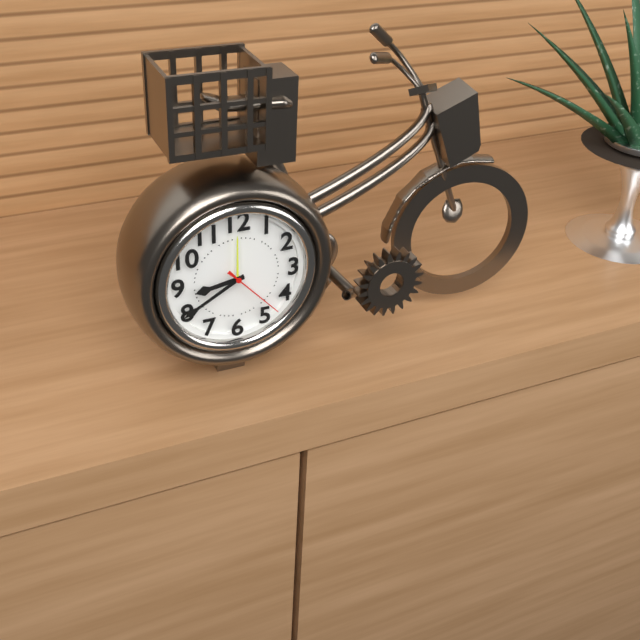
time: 8:40:23
